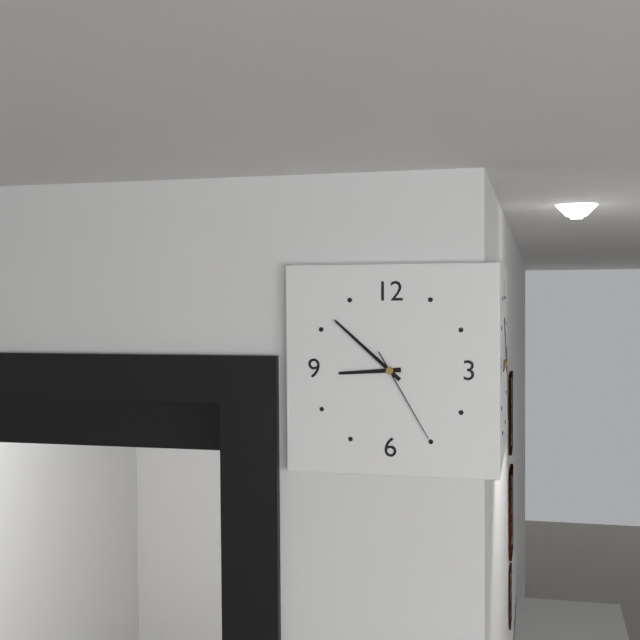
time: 8:52:25
